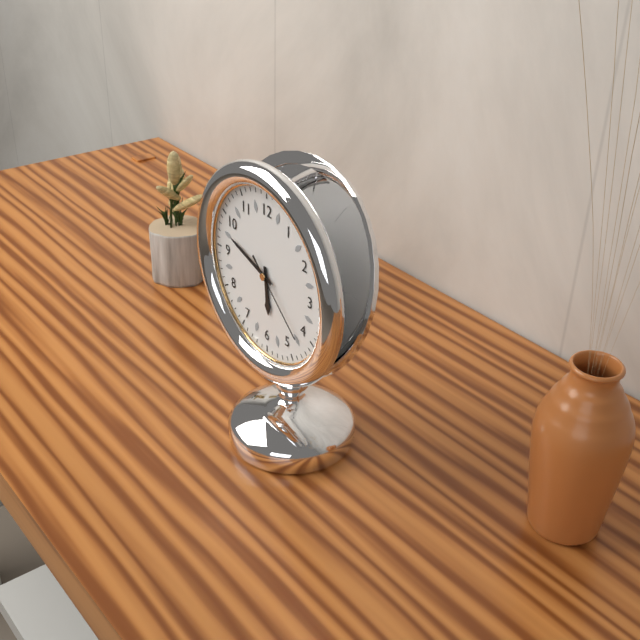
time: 5:48:22
